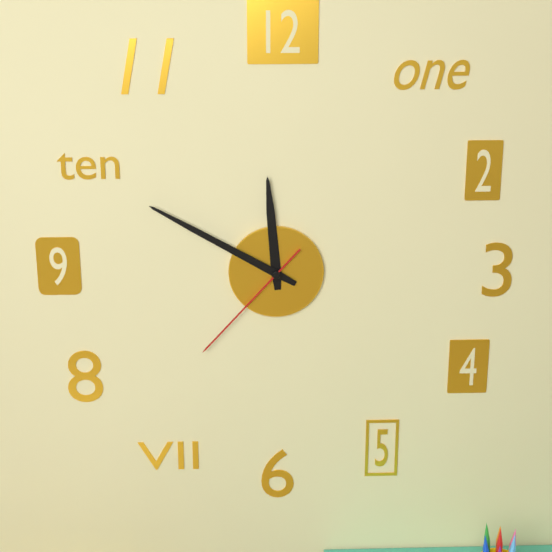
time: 11:50:37
